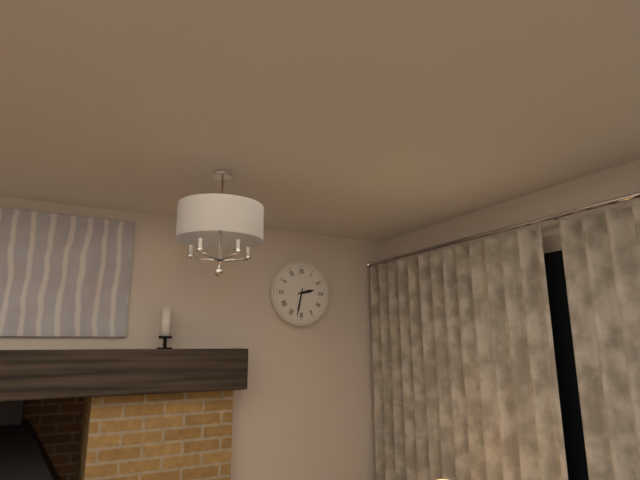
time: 2:32
